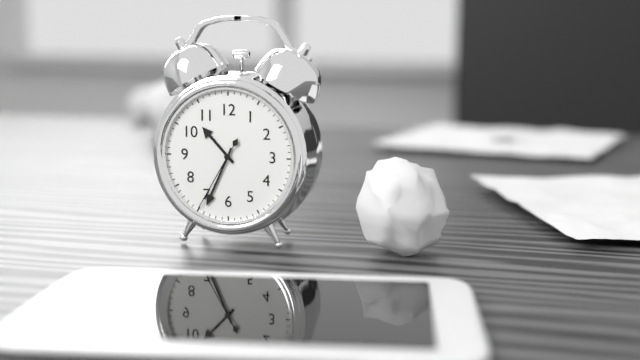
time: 10:34:35
